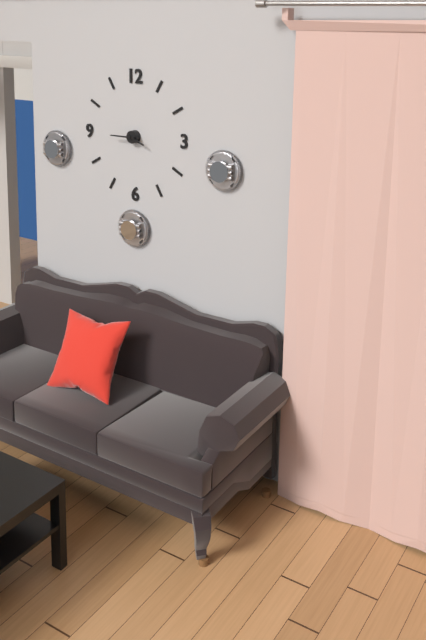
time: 3:45
